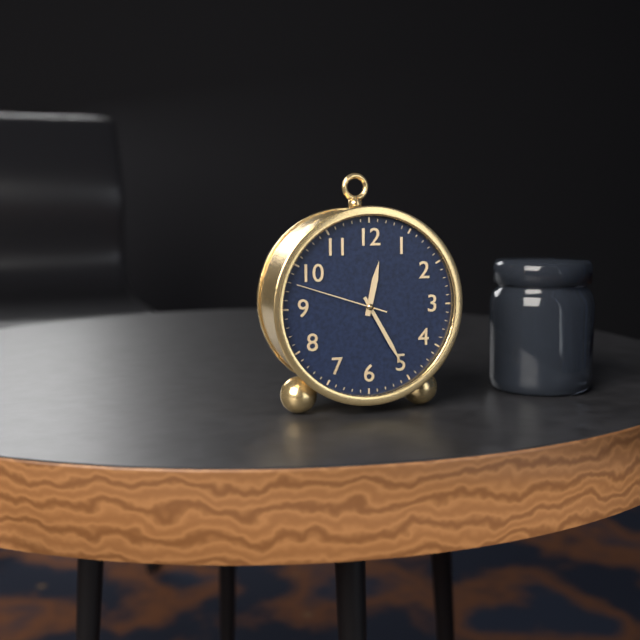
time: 12:25:48
